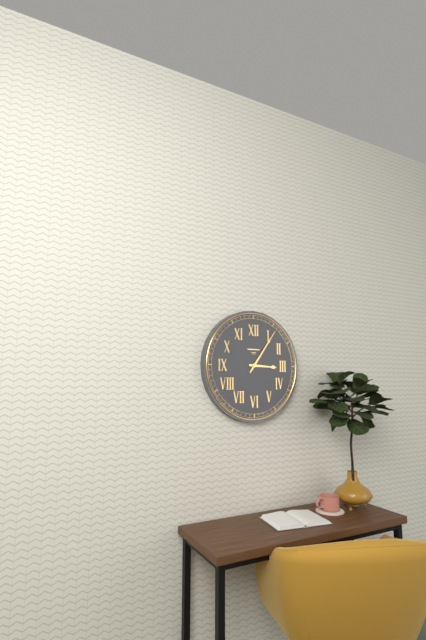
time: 3:06
